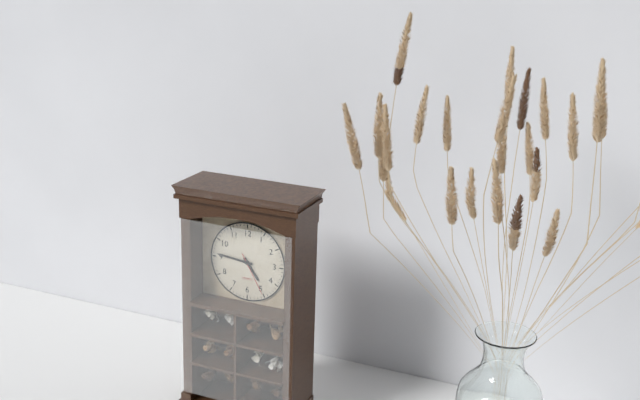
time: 4:46
